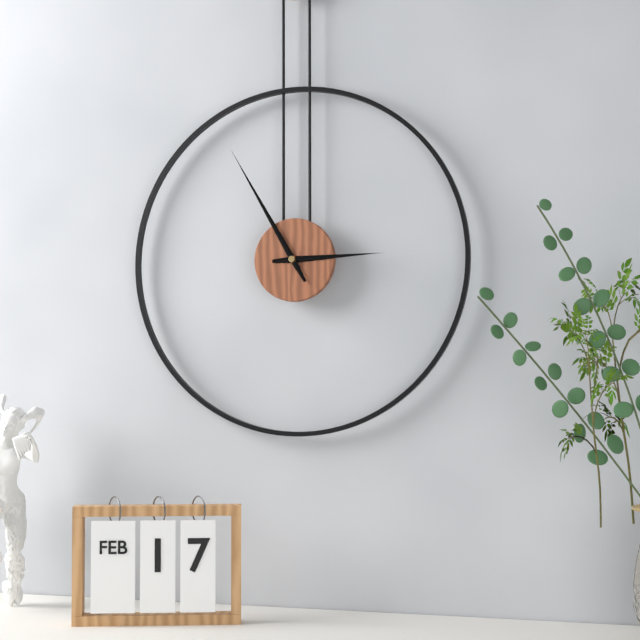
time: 2:55
